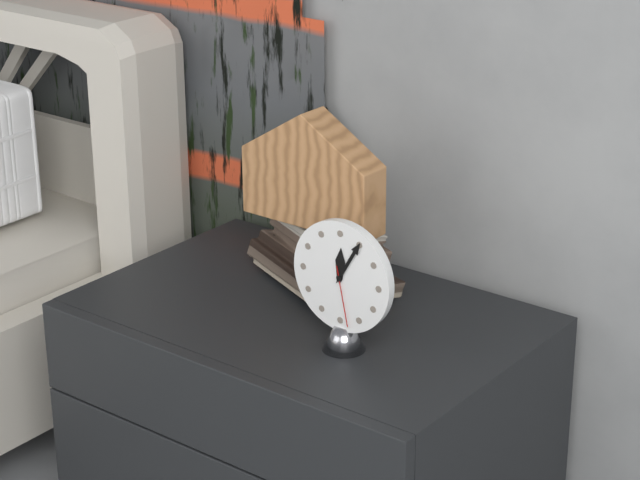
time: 12:05:28
